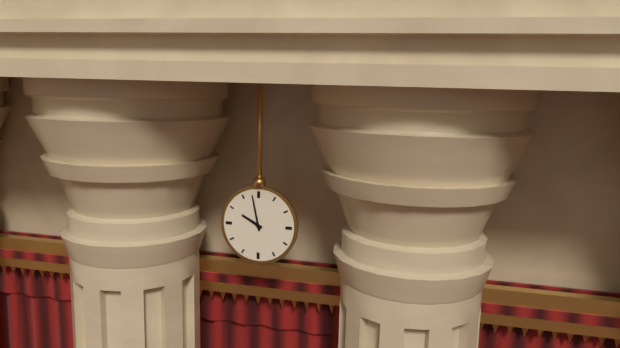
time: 9:58
